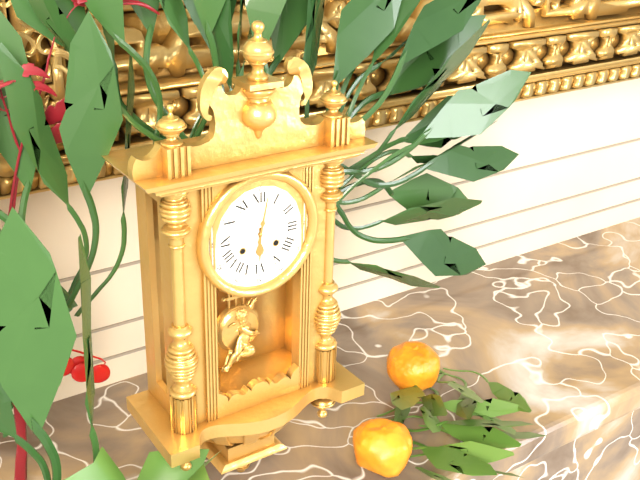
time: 6:02
